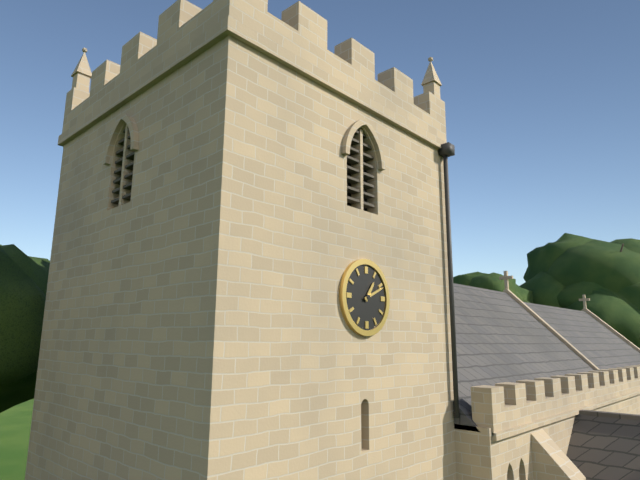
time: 1:11
